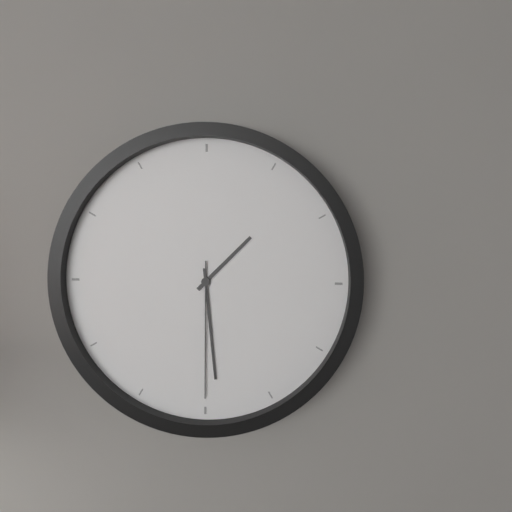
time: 1:29:30
